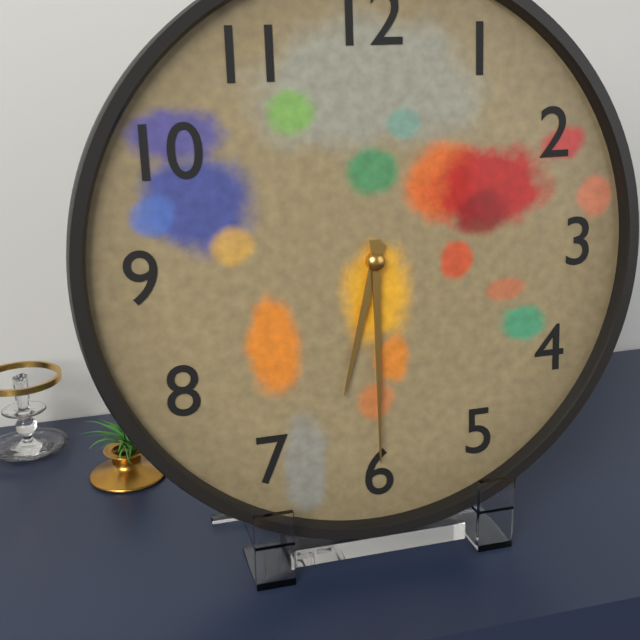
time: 6:30
